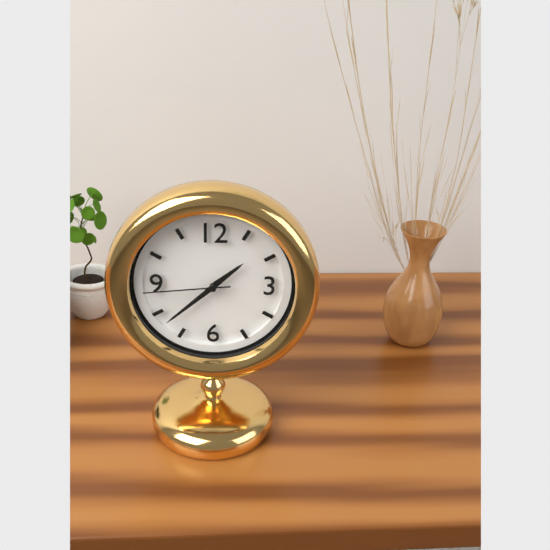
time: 1:38:44
